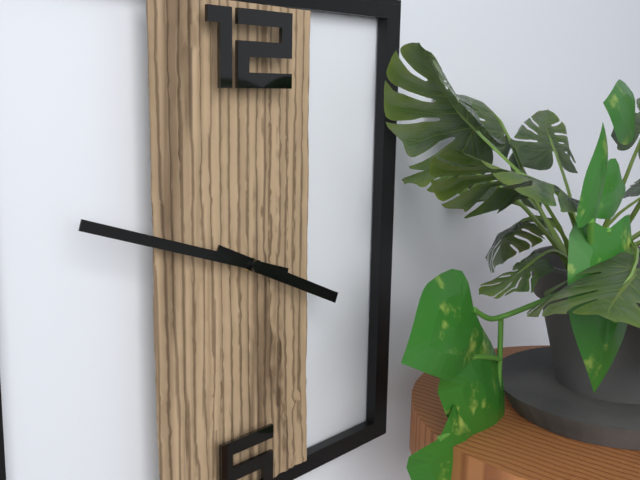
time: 3:48
